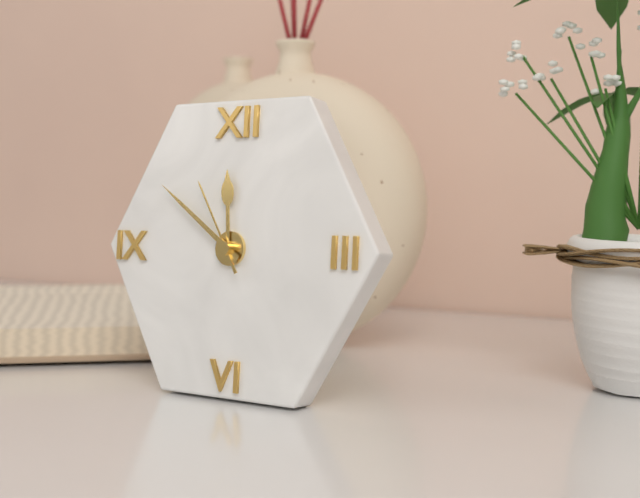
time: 11:51:55
